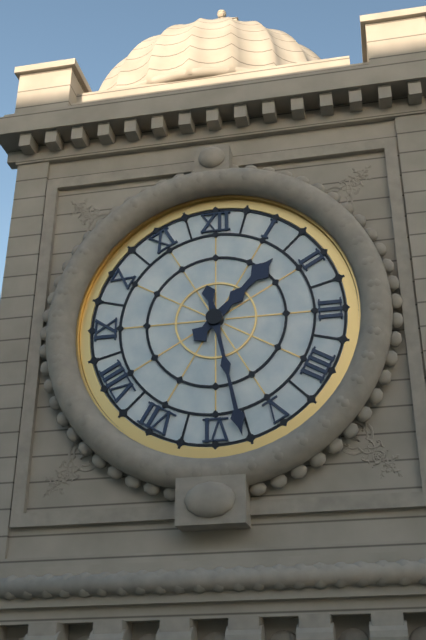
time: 1:28
